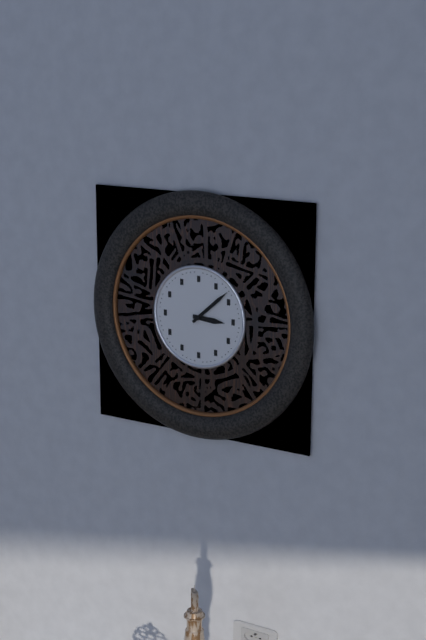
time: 3:08
